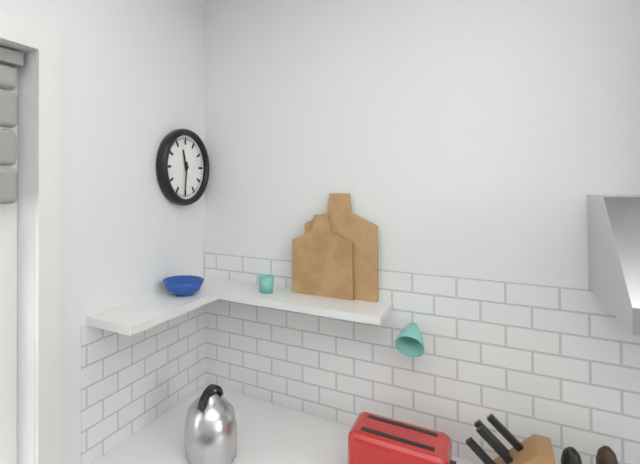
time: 11:31
